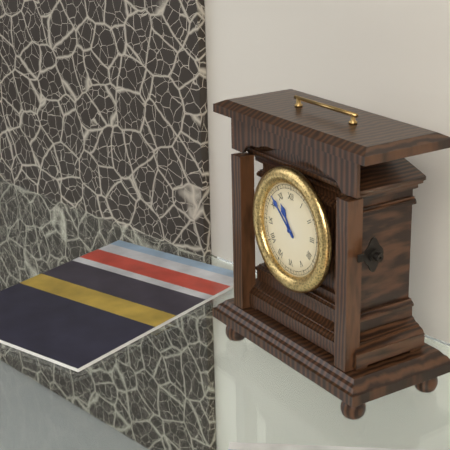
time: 10:52
